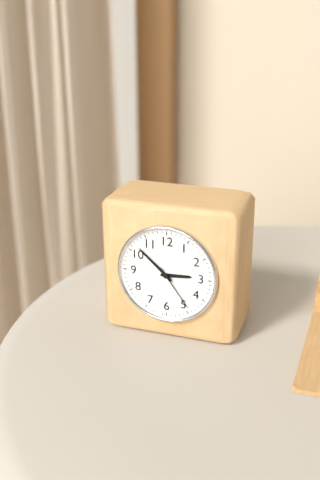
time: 2:52
